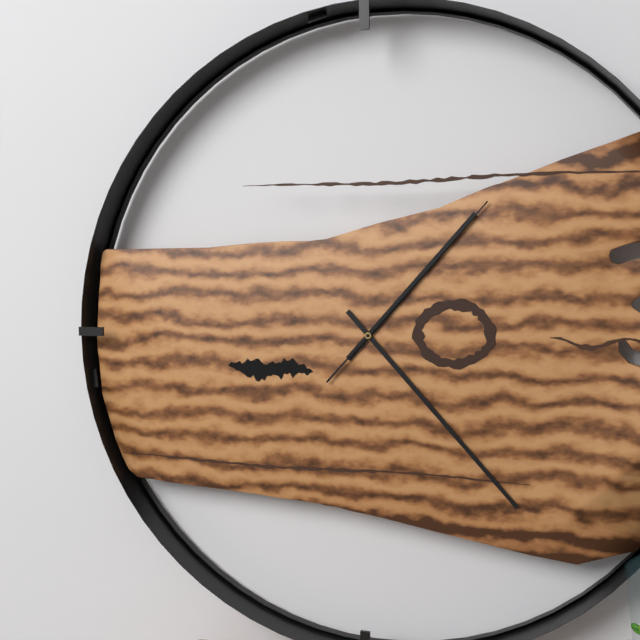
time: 1:23:07
